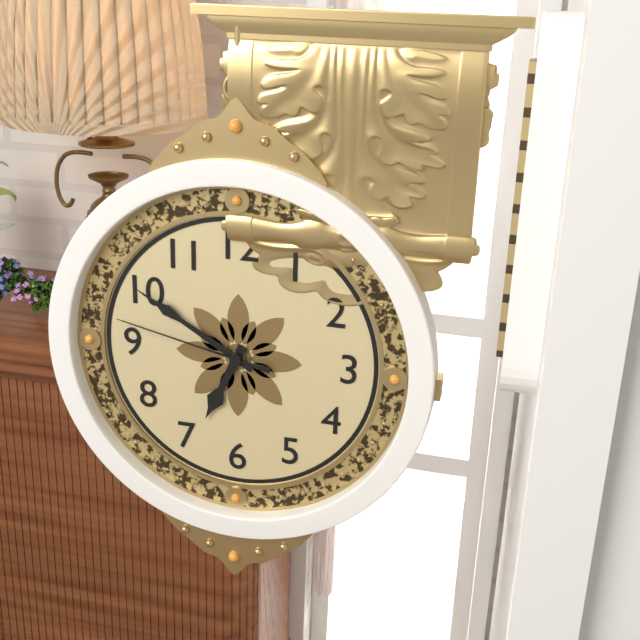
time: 6:50:47
